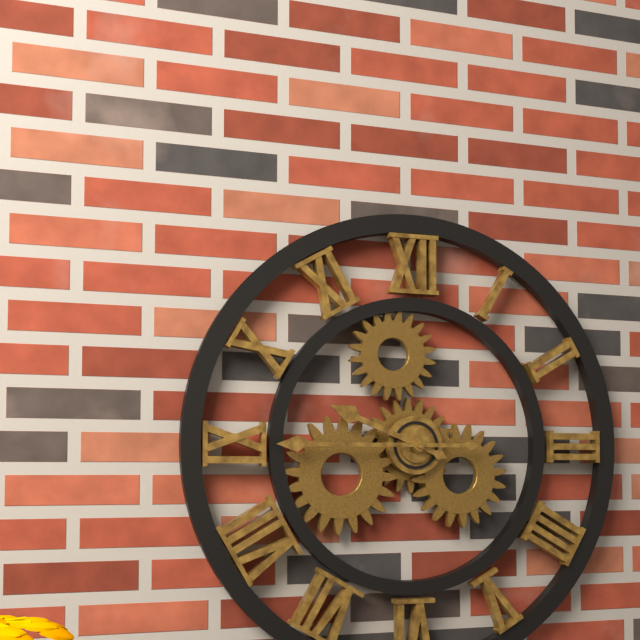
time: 9:45
